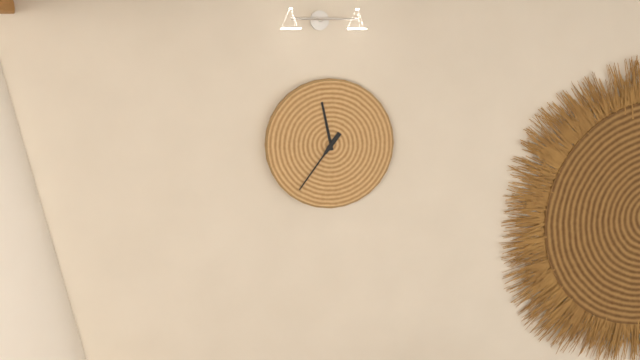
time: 11:36
